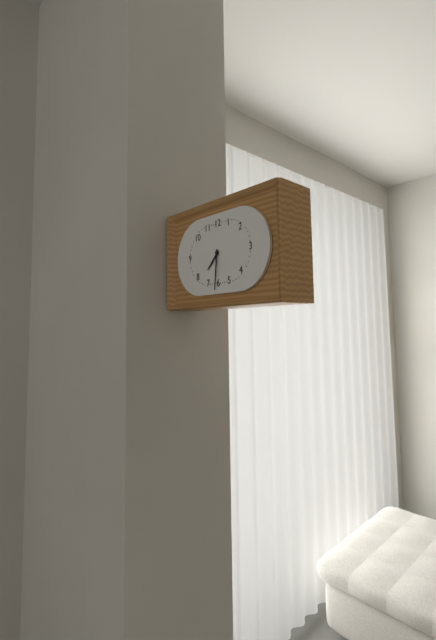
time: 7:31
